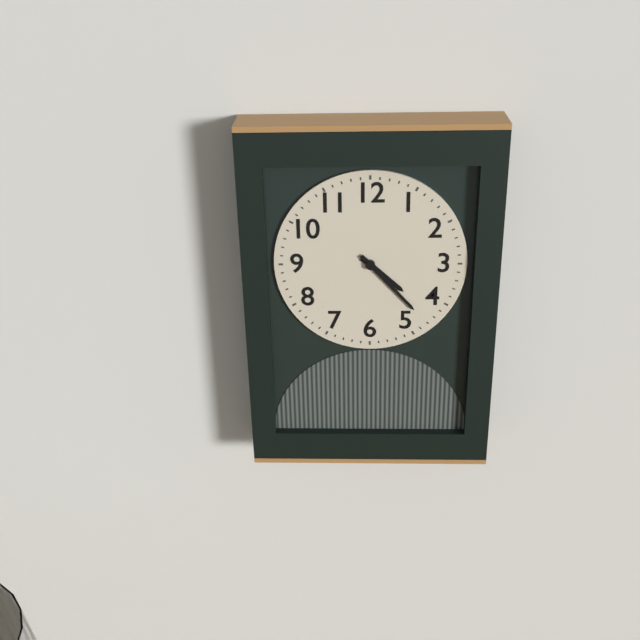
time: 4:23
